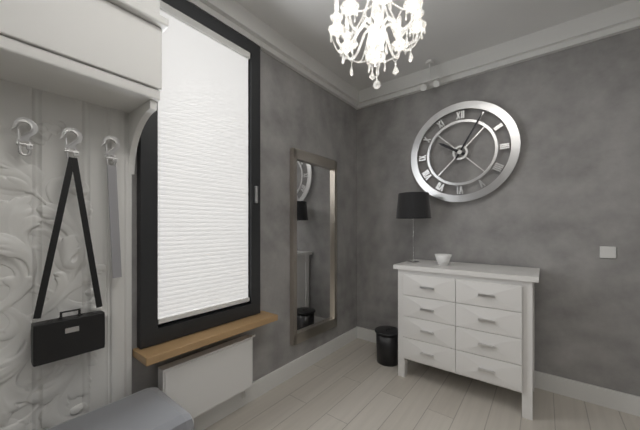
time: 10:05
